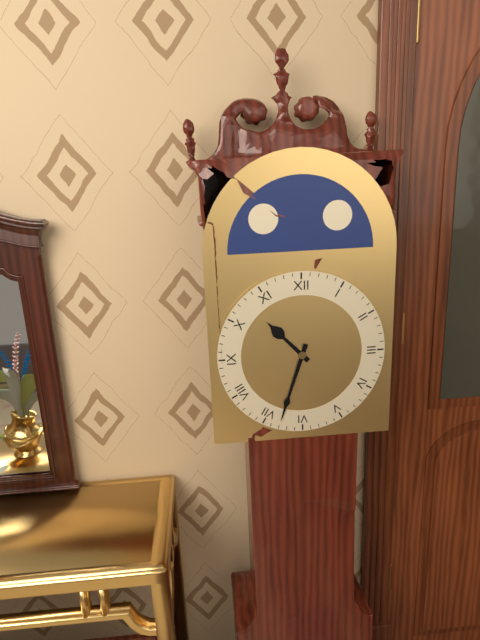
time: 10:33
